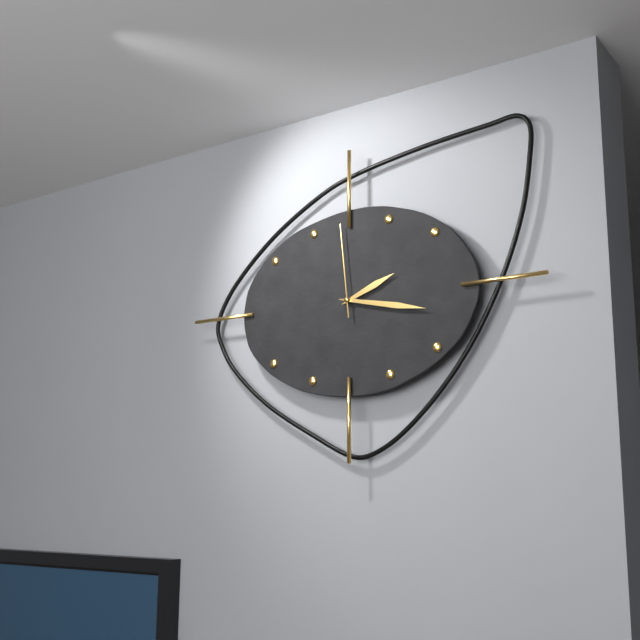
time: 2:17:59
